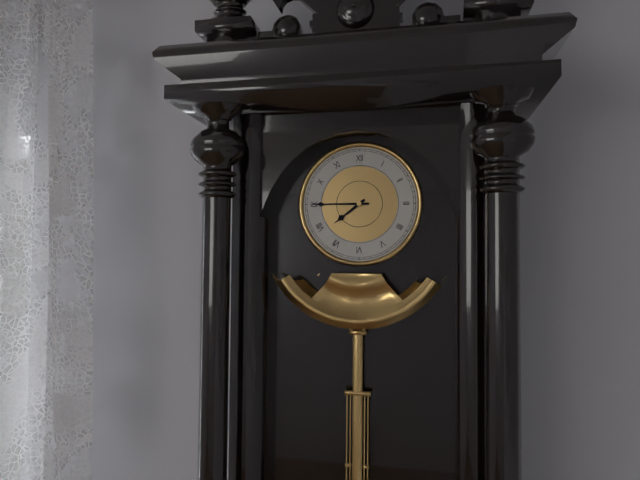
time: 7:45
